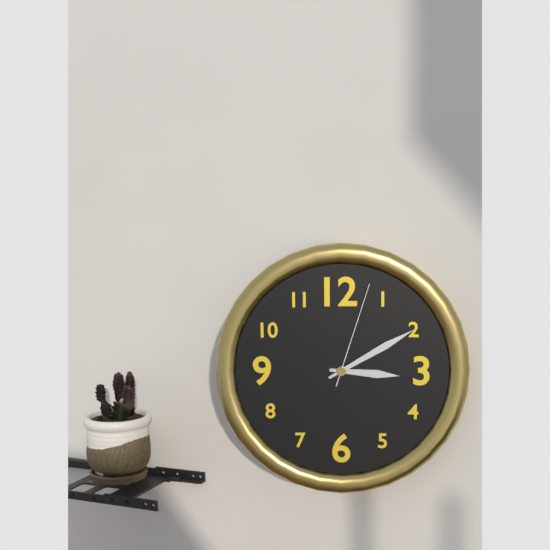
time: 3:10:03
